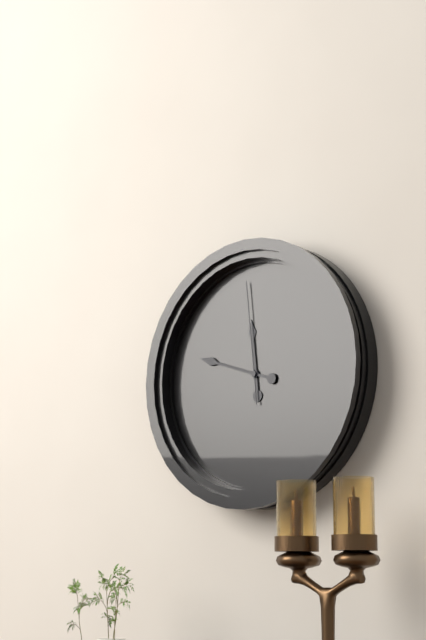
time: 11:48:59
